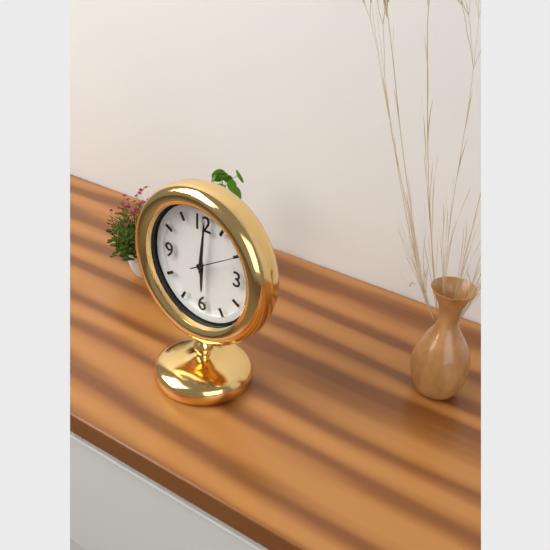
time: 6:01
